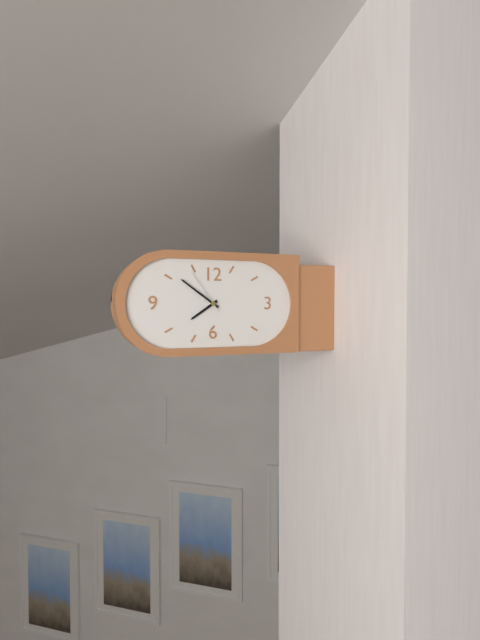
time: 7:51
